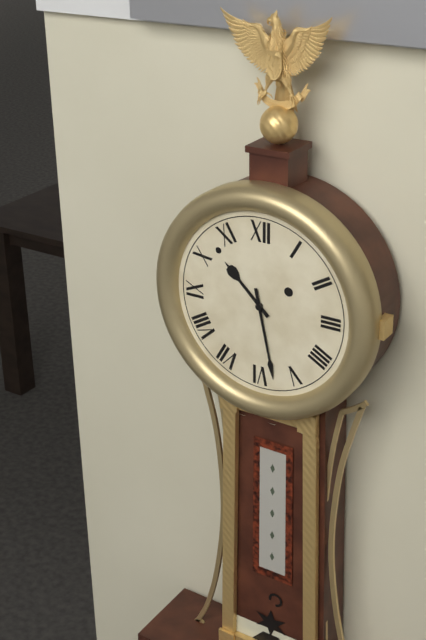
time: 10:28
